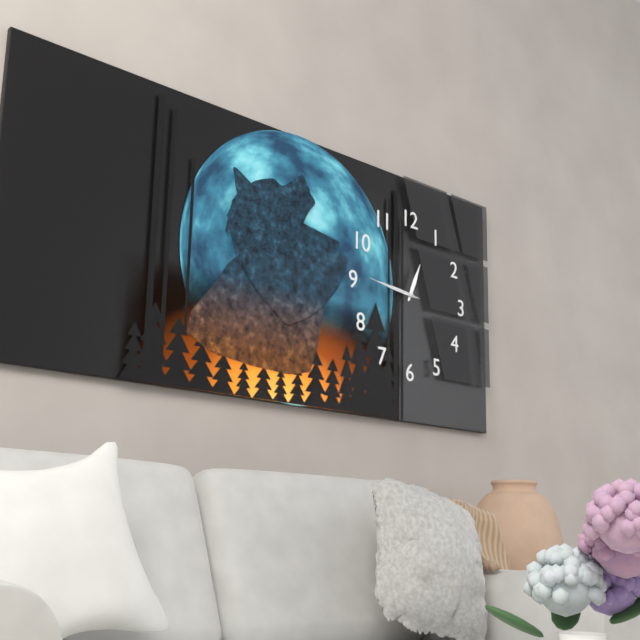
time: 12:46
